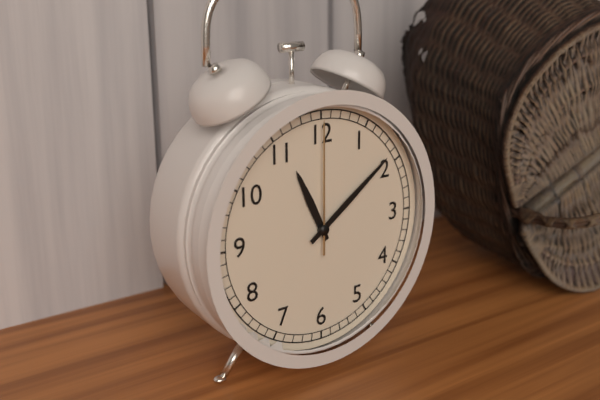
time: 11:09:00
